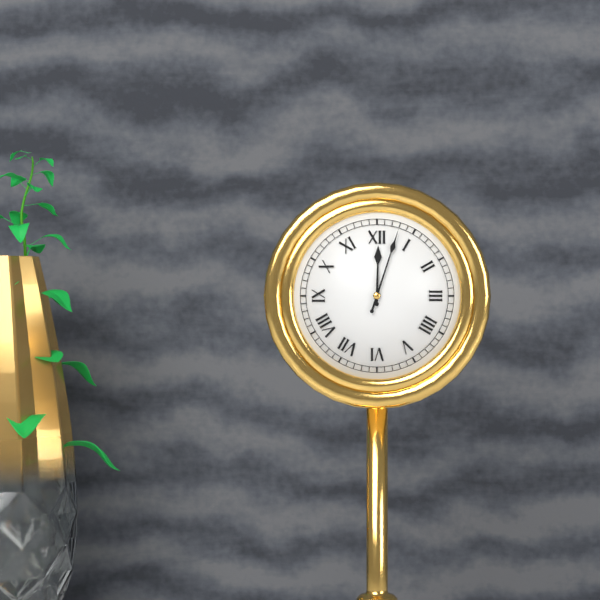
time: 12:03
